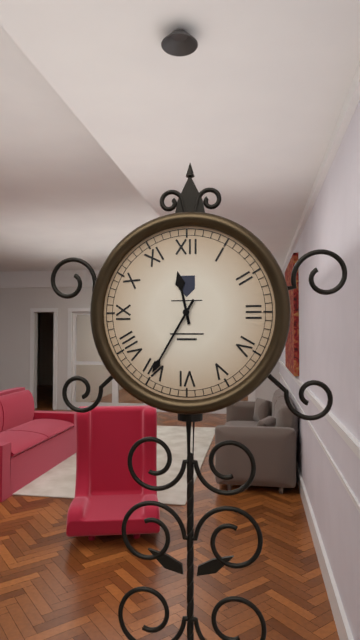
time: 11:35
